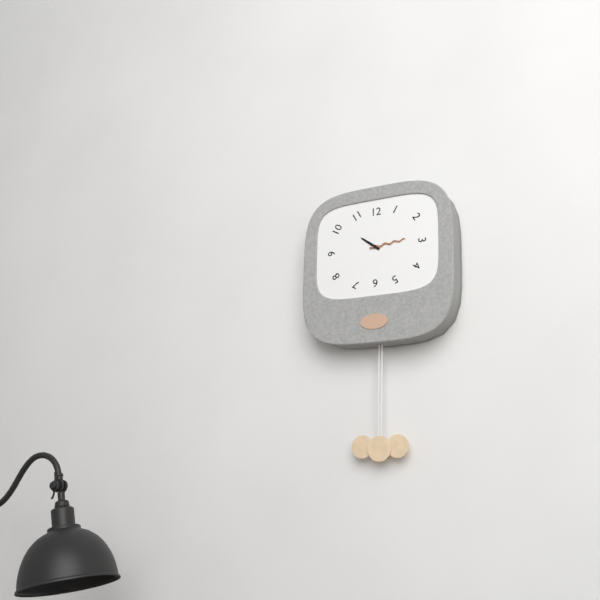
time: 10:14
